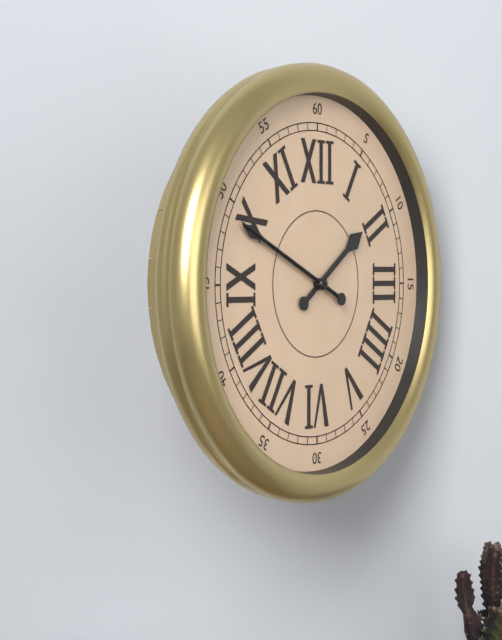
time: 1:49:49
